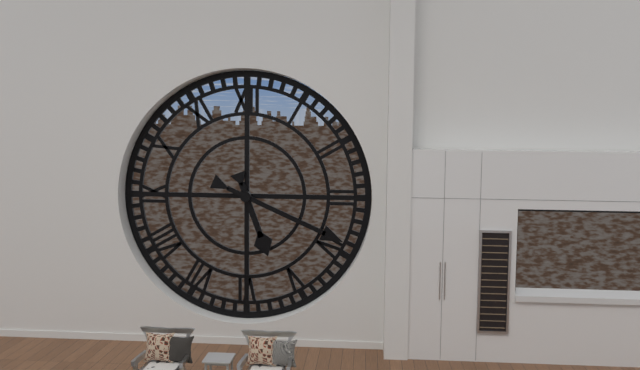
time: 5:19
